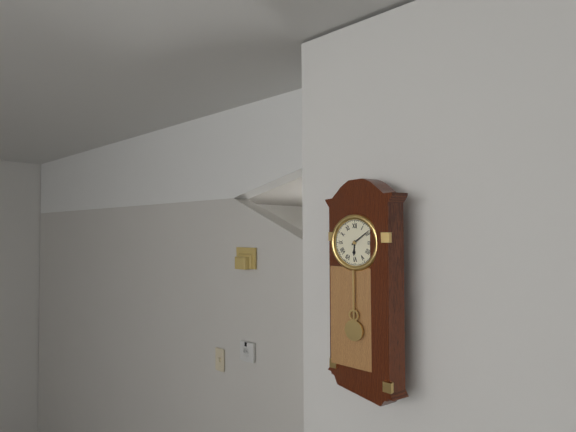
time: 6:09
